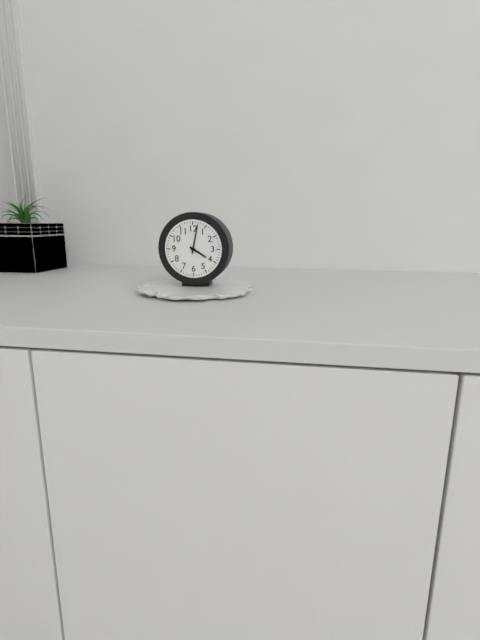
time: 4:02
